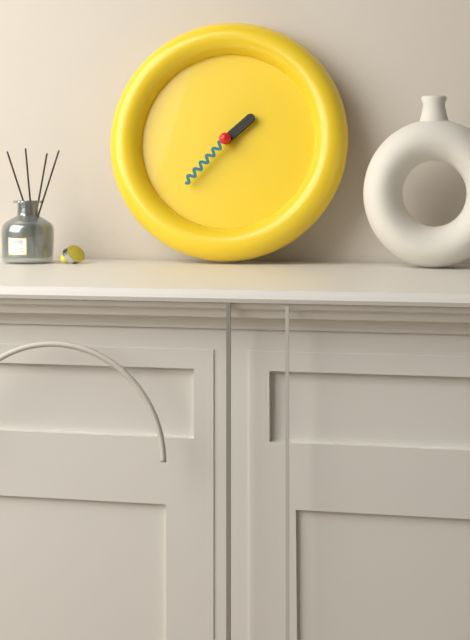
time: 1:37
